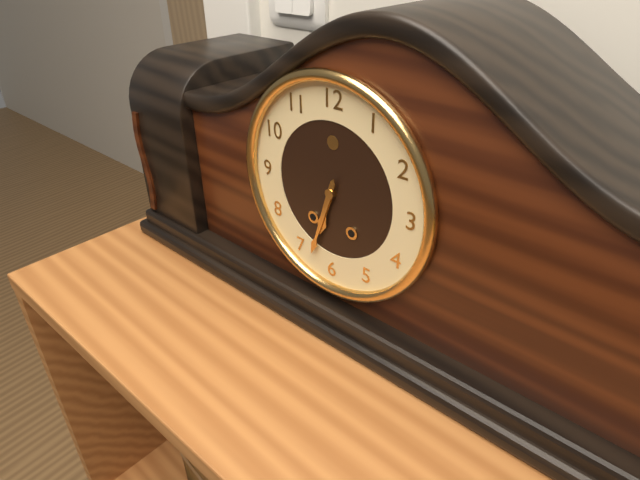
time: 6:33
